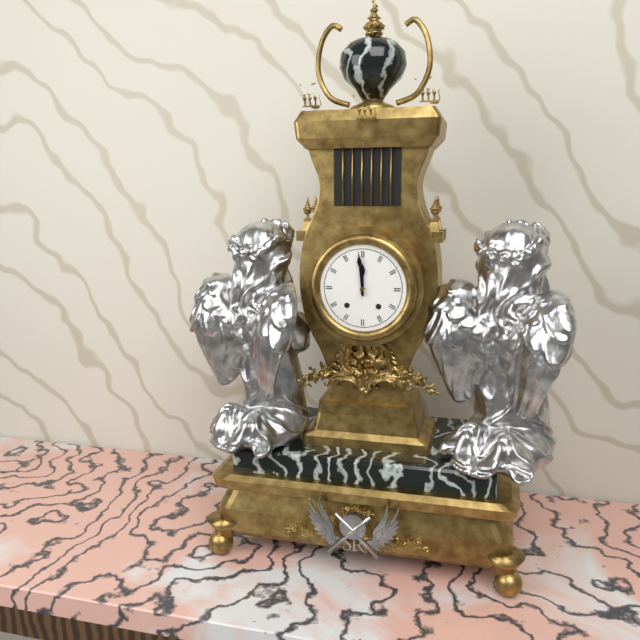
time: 11:59
